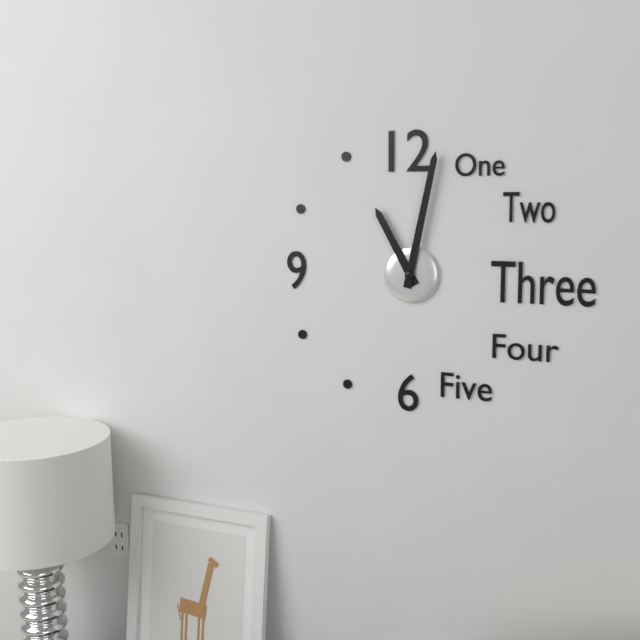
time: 11:02
